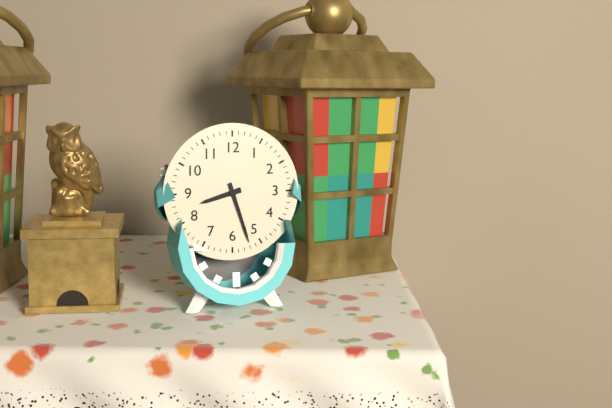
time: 8:27
